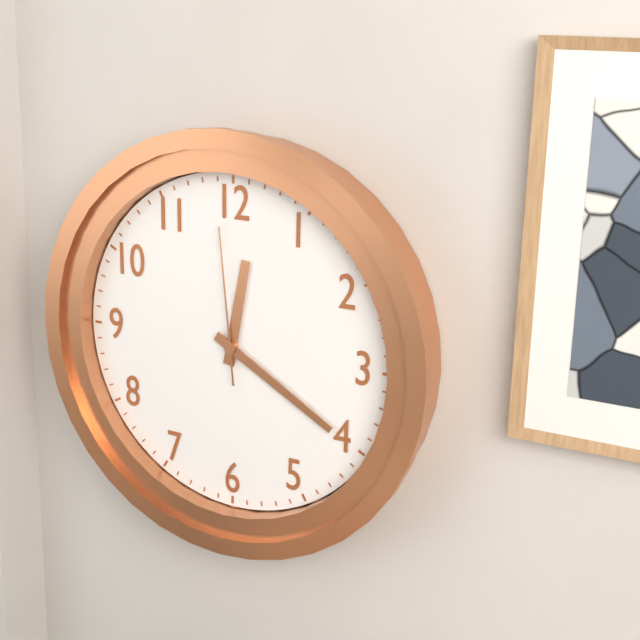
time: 12:20:59
